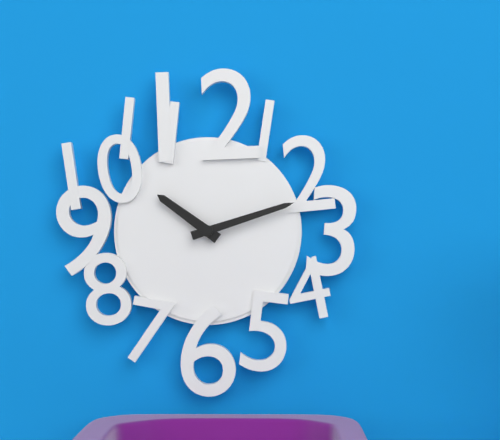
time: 10:12
